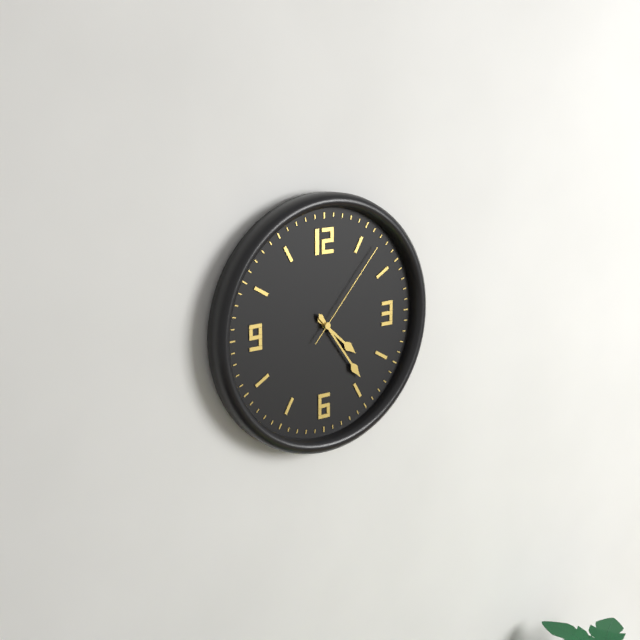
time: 4:24:07
